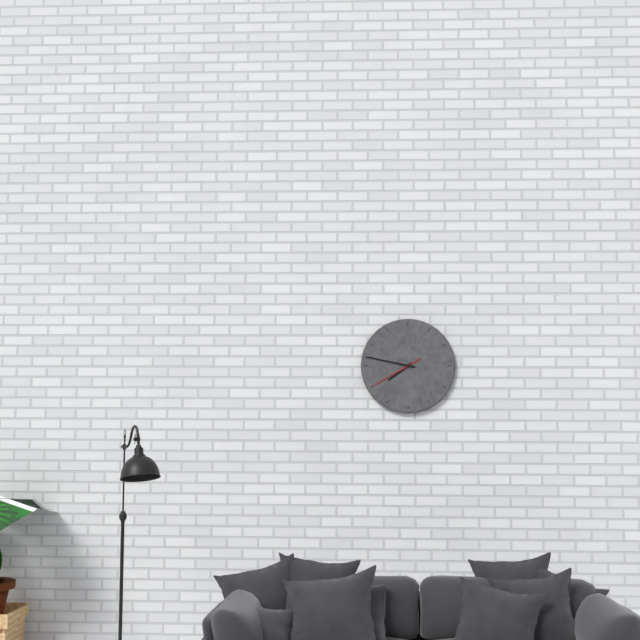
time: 7:47:40
